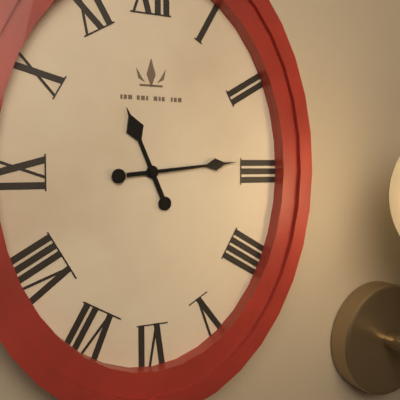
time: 11:14
